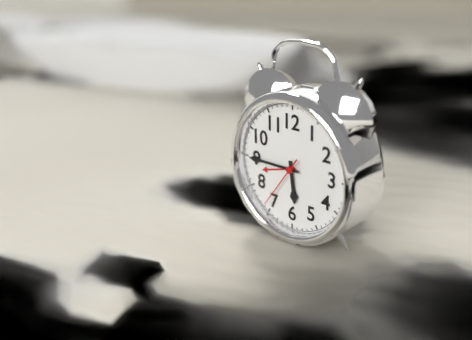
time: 5:45
